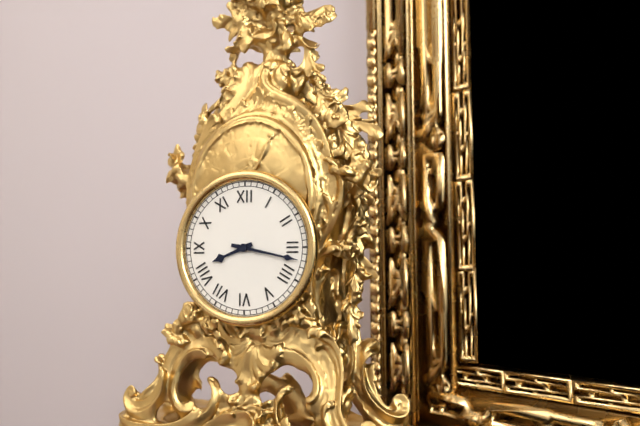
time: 8:17
